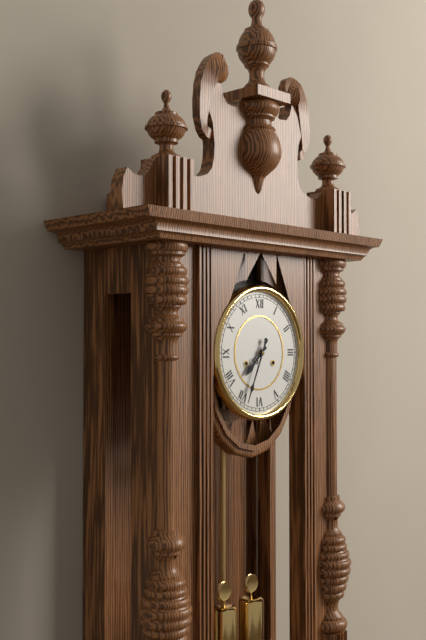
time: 7:34
